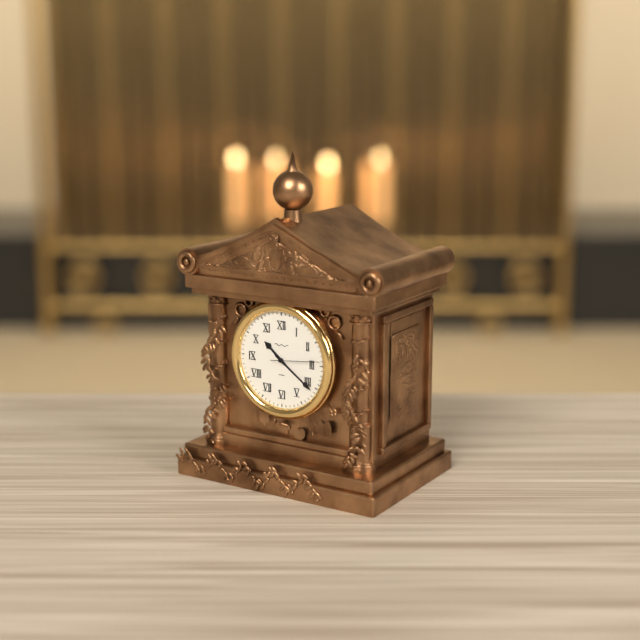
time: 10:21
